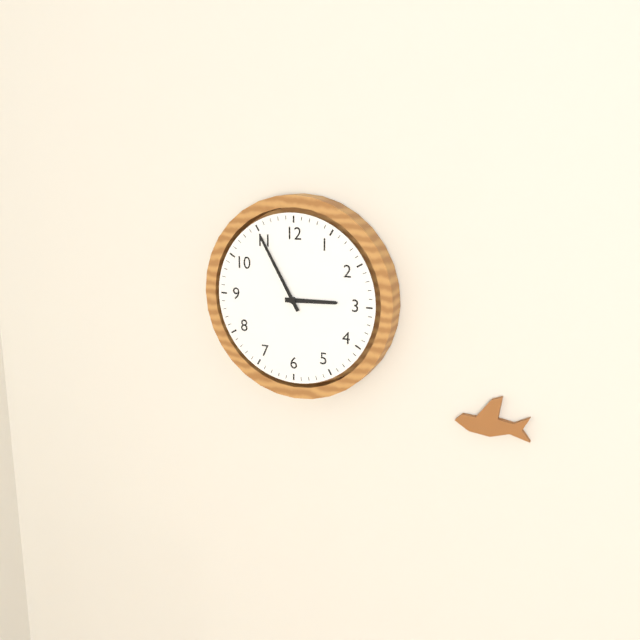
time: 2:55
